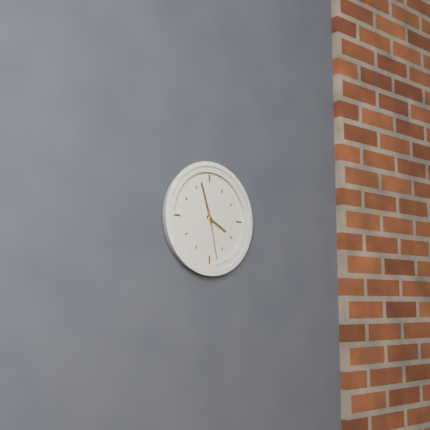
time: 3:57:28
